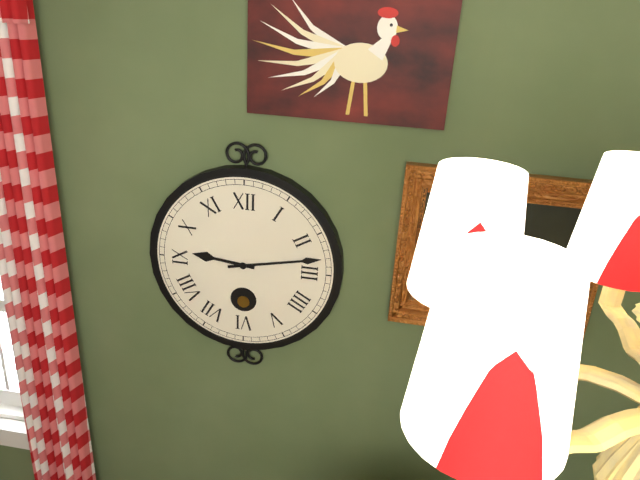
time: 9:13
